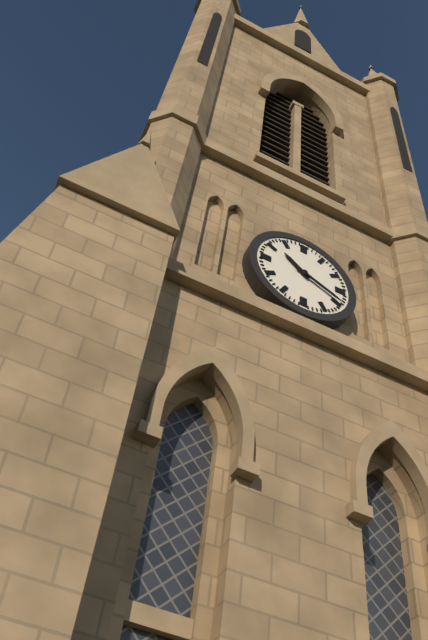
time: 10:19
